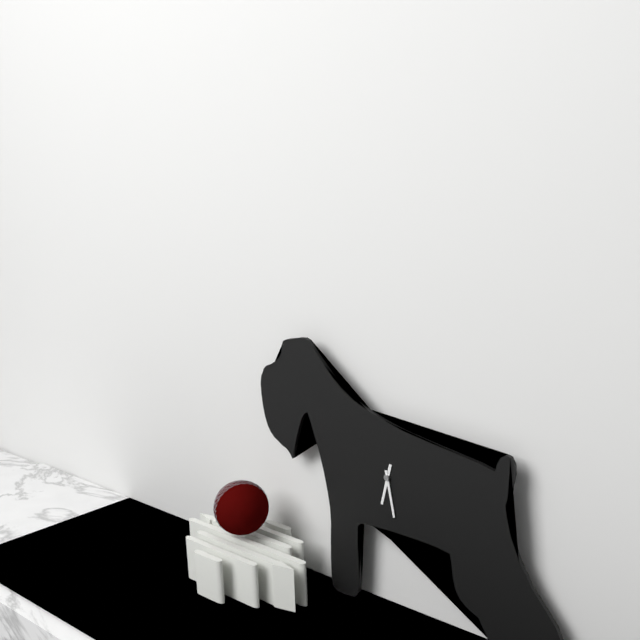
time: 6:28
